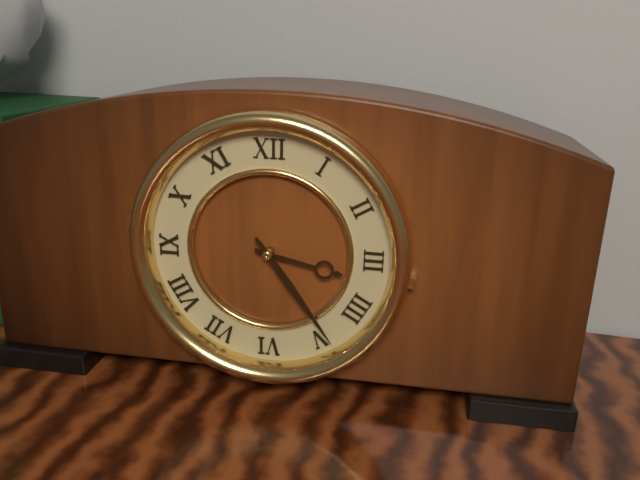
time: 3:24
